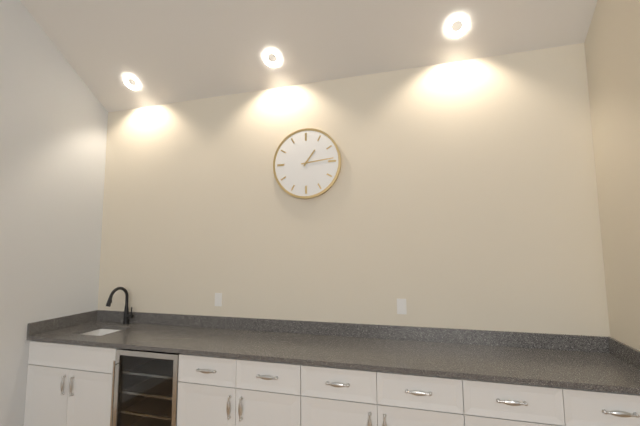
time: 1:14
